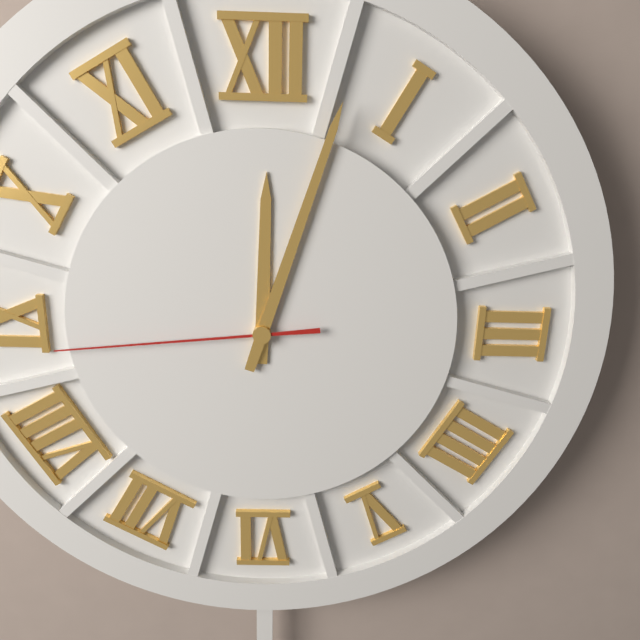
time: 12:03:44
